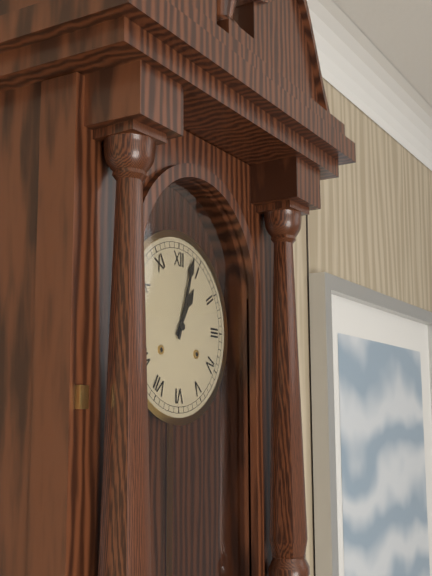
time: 1:03
